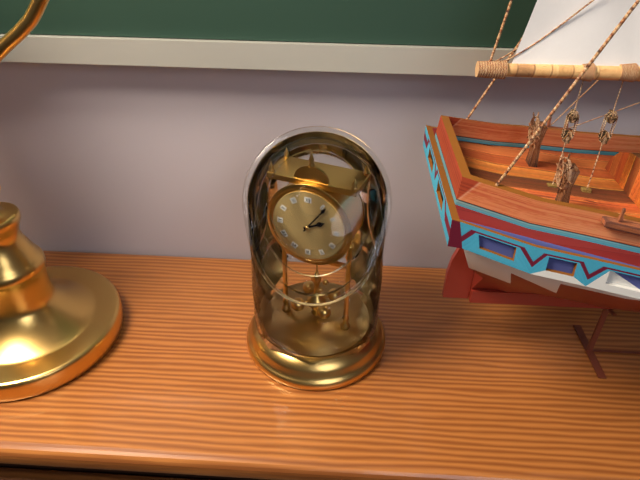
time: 2:06
